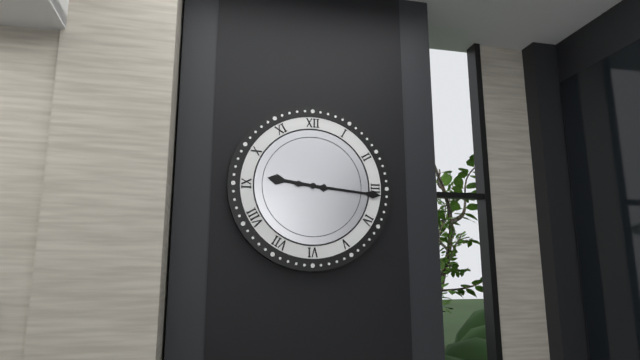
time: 9:16
